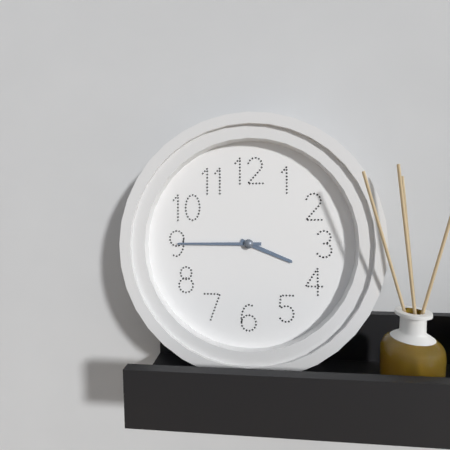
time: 3:45
